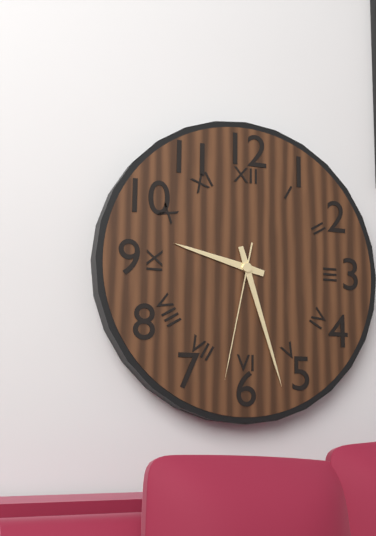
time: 9:27:32
